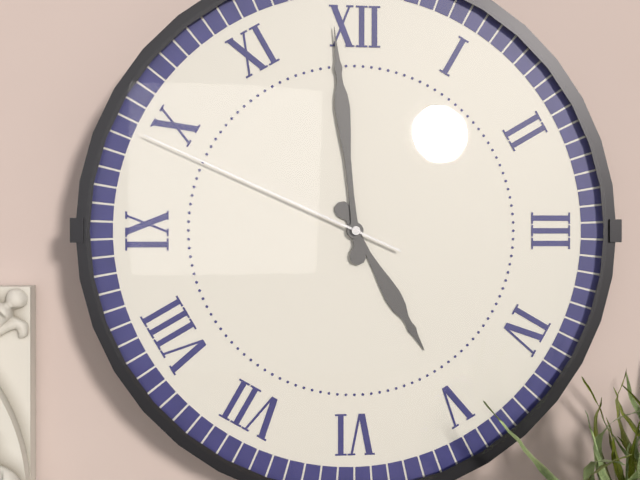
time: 4:59:49
